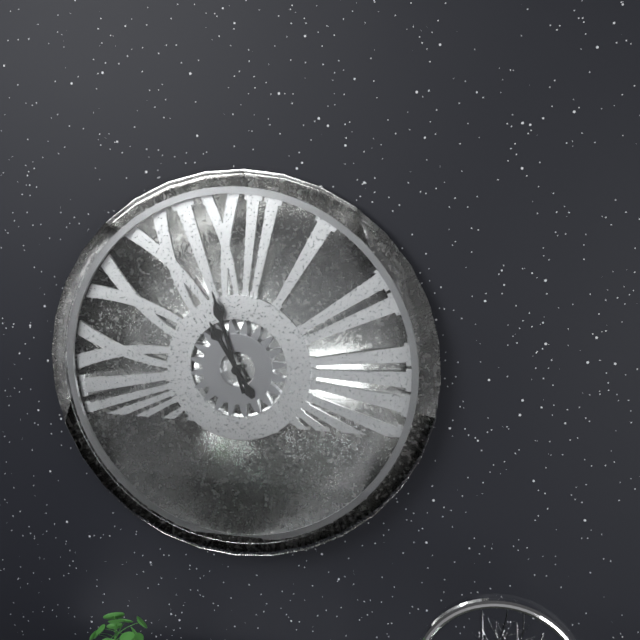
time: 10:57
